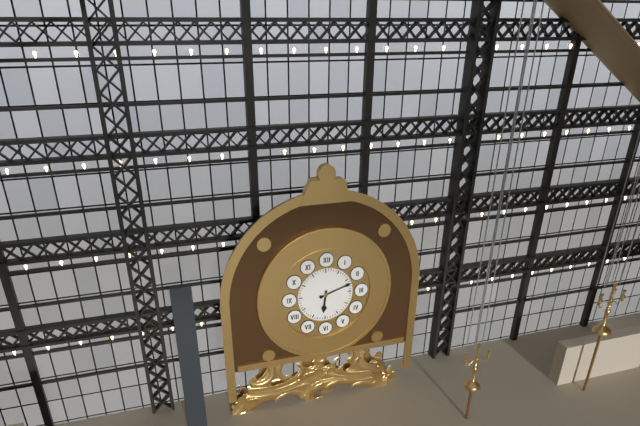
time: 6:12
